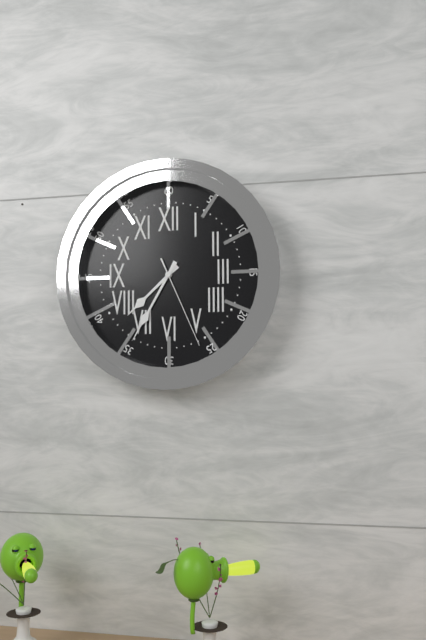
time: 7:35:26
